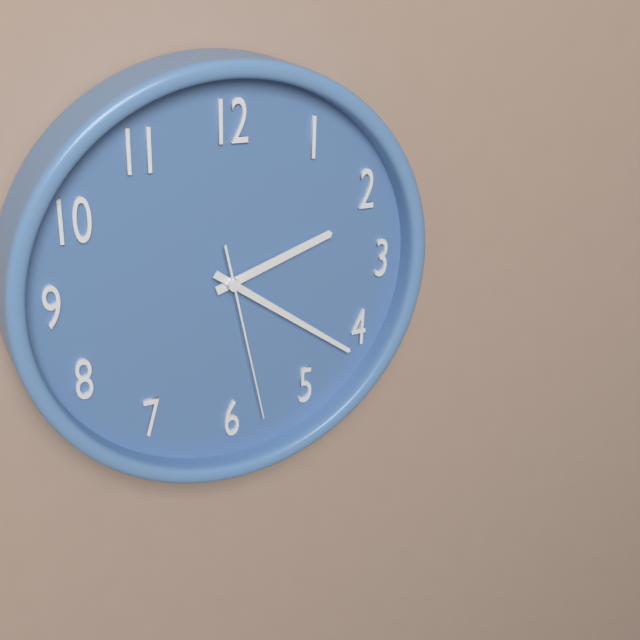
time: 2:21:28
